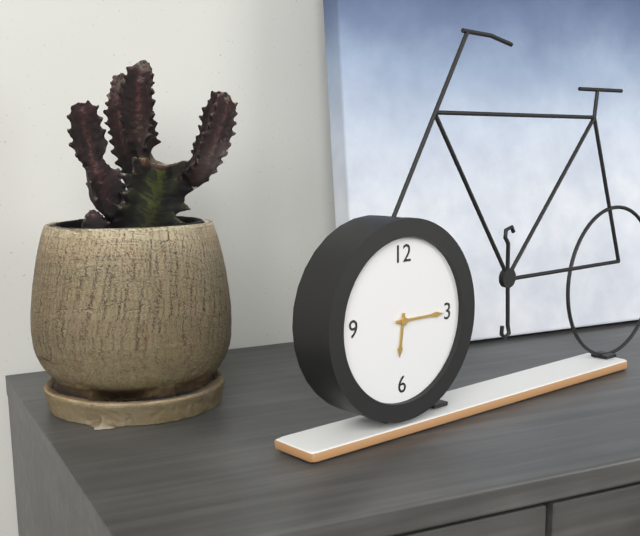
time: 6:15
